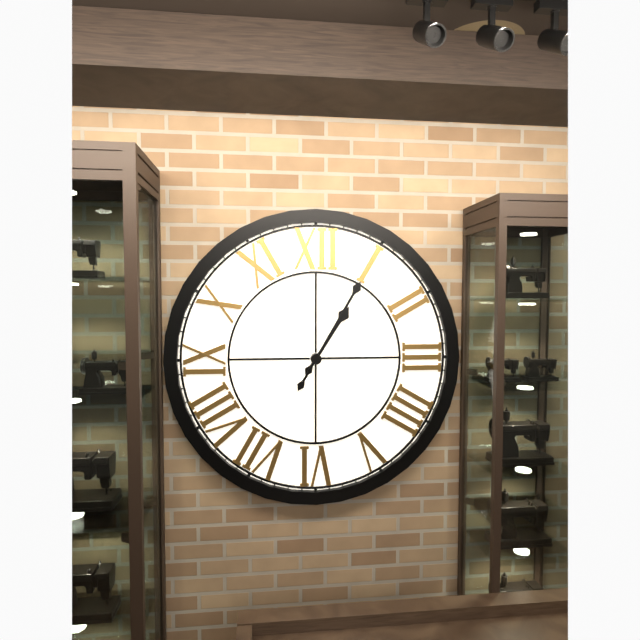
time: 1:05
